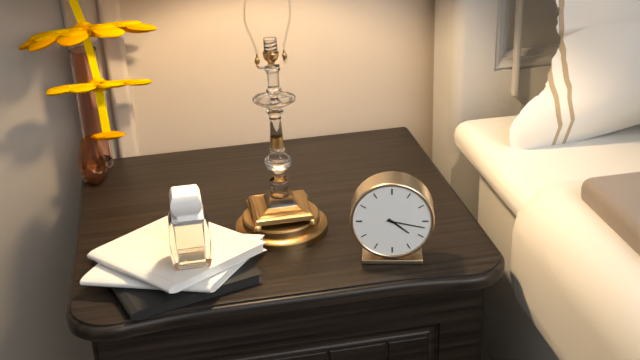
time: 4:17
